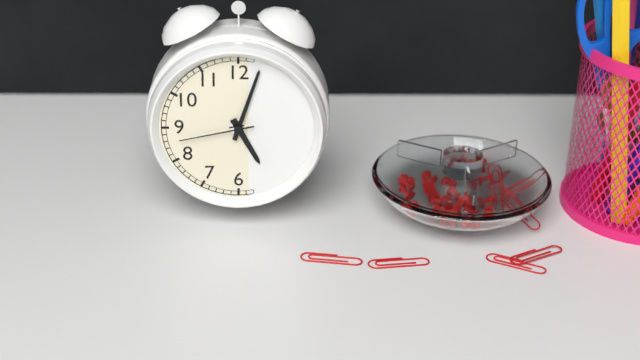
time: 5:03:43
